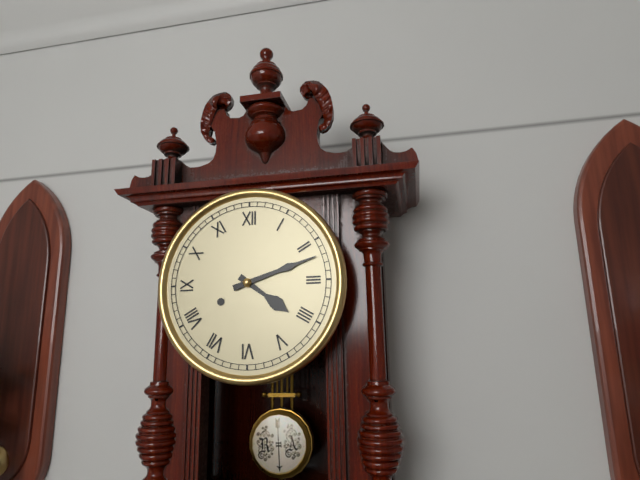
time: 4:12
